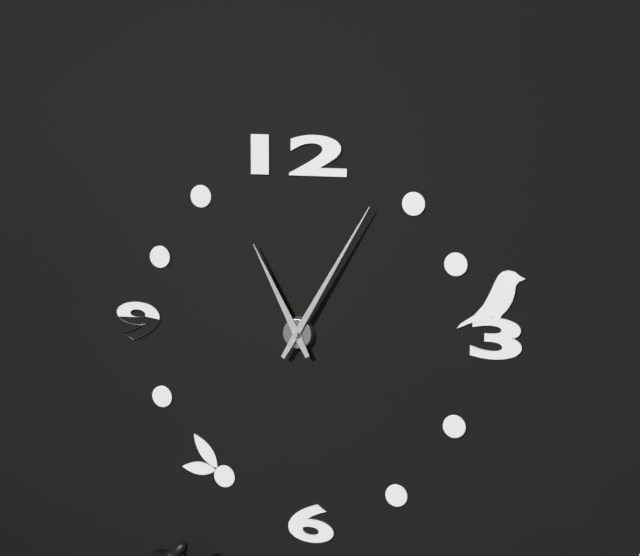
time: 11:05
